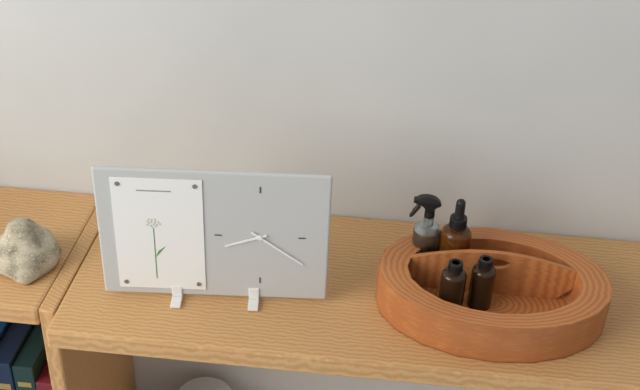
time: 8:21
